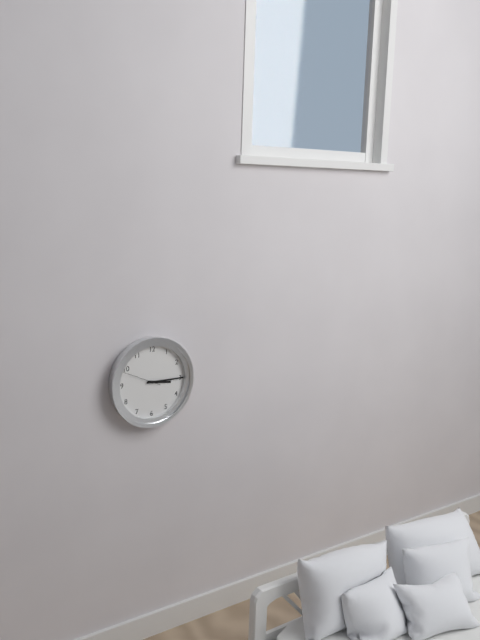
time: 3:15
